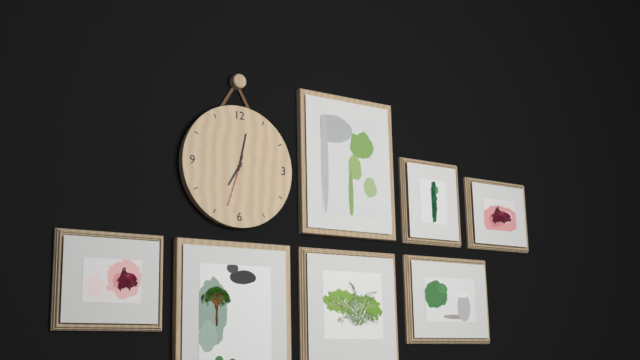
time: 7:02:33
